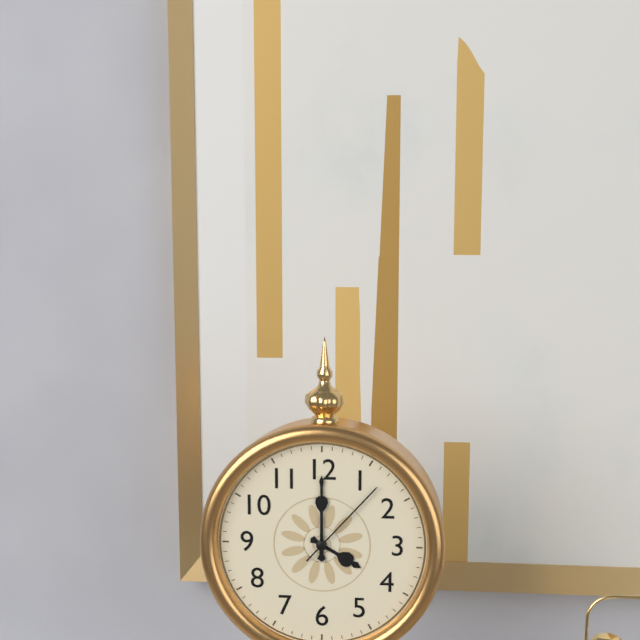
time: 4:00:07
